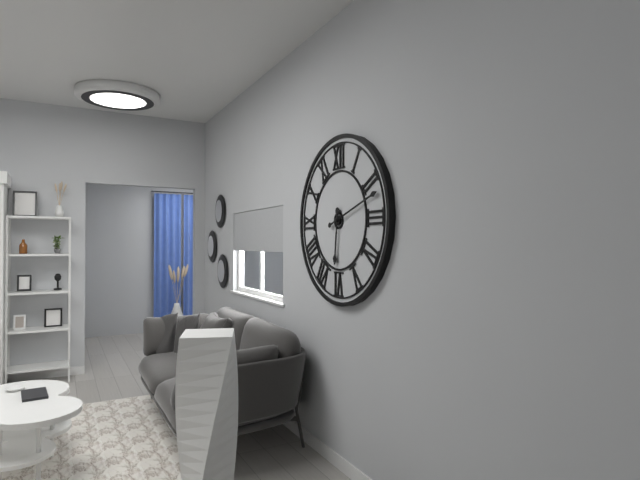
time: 6:12
